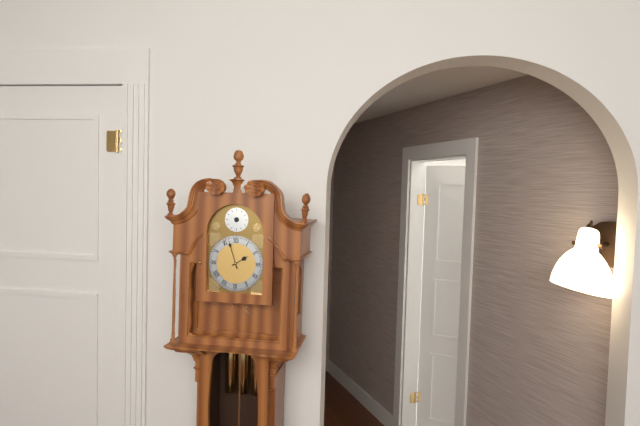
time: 1:57
